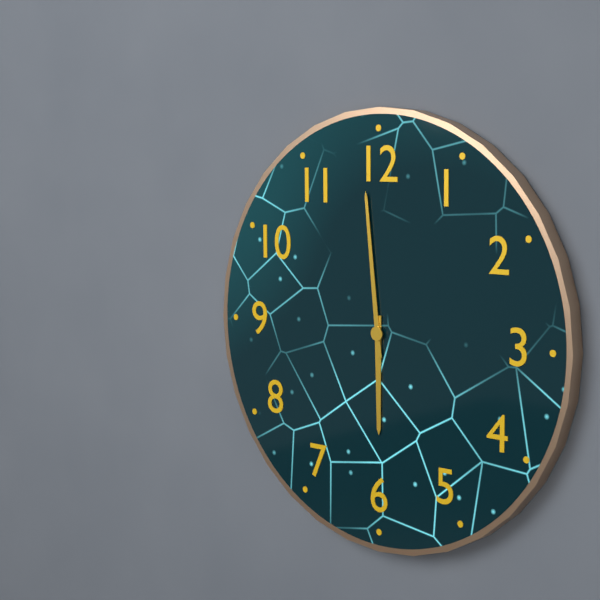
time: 5:59
